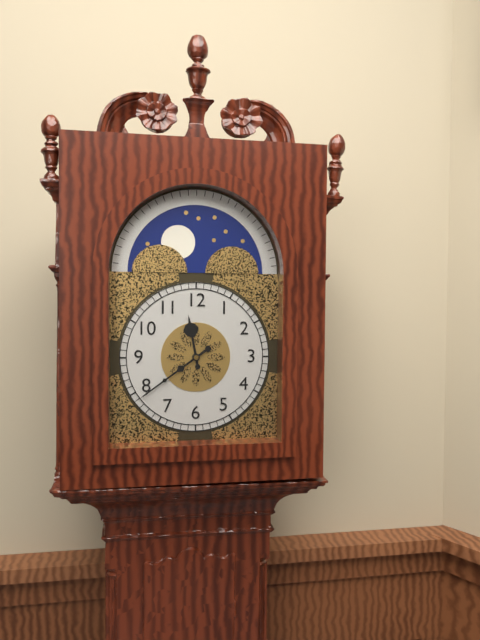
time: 11:39
